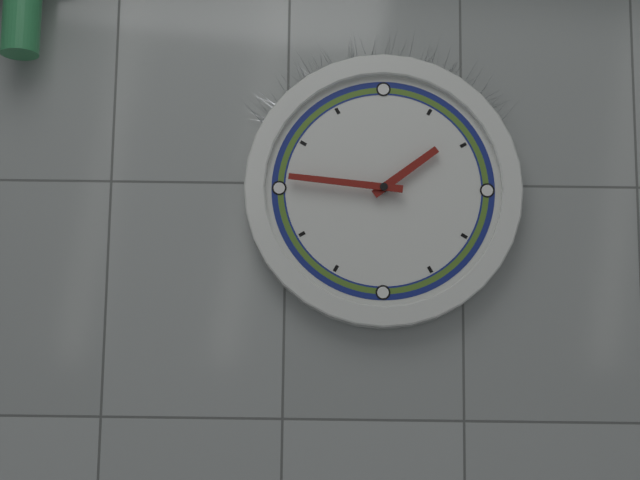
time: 1:46
